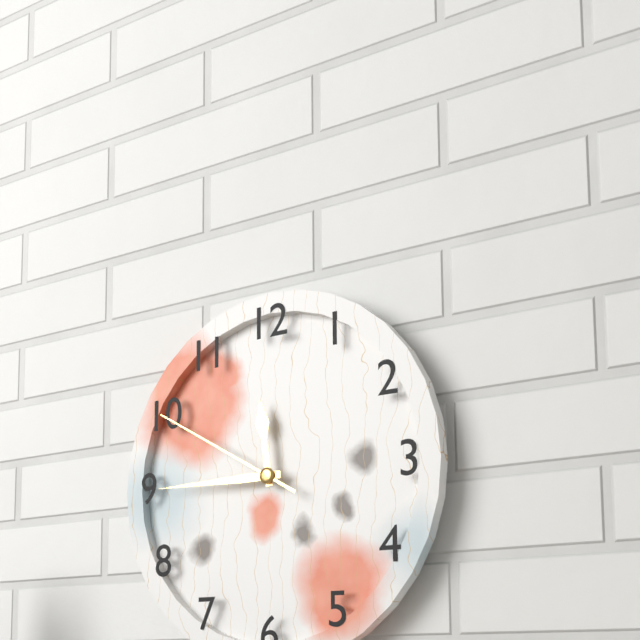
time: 11:45:50
